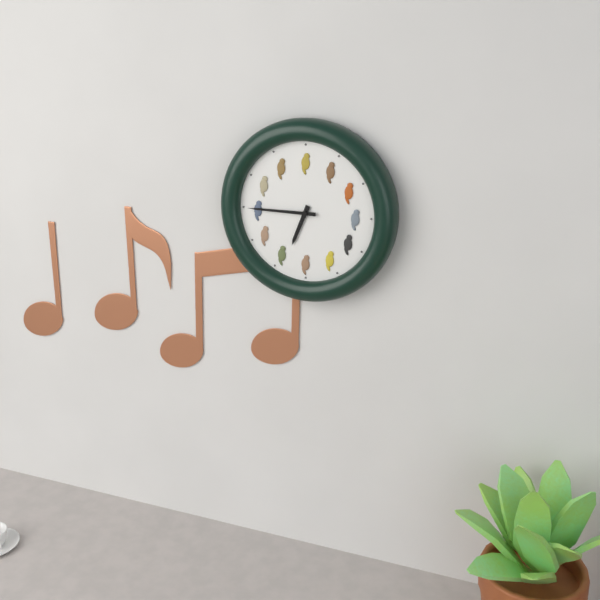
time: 6:45
